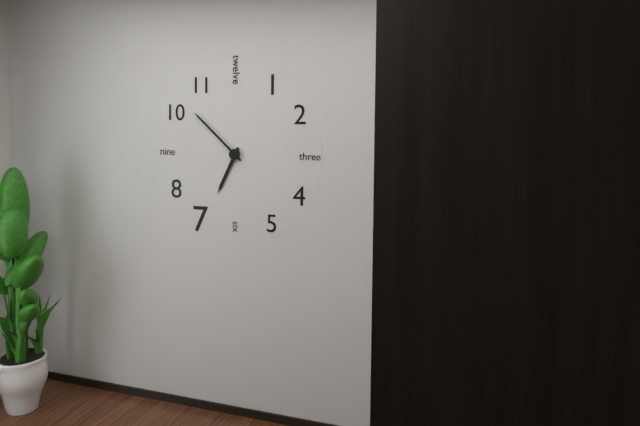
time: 6:52
